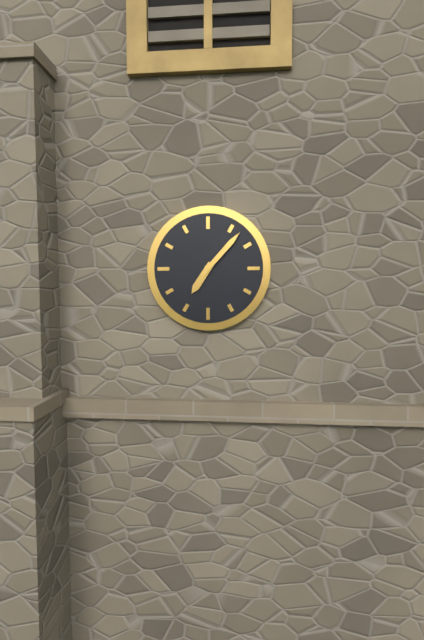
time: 7:07
